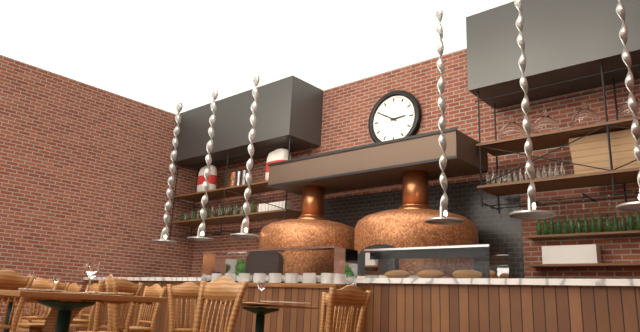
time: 2:50
